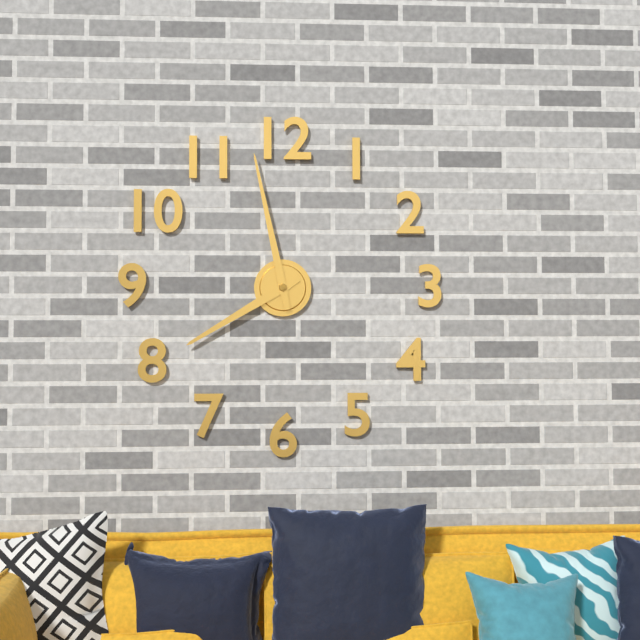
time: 7:58
